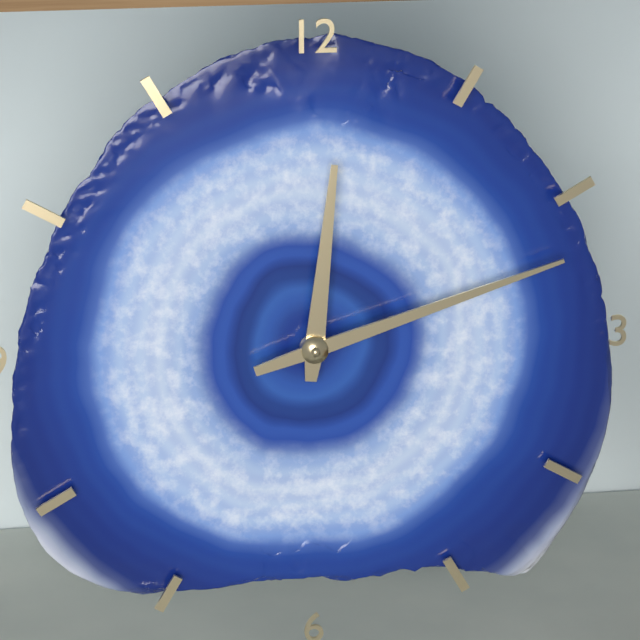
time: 12:12
